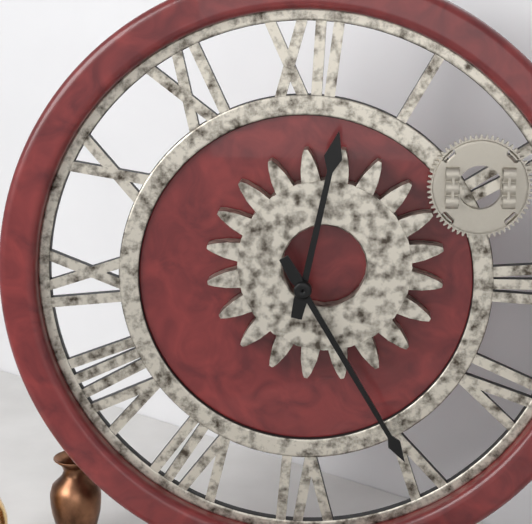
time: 12:25
